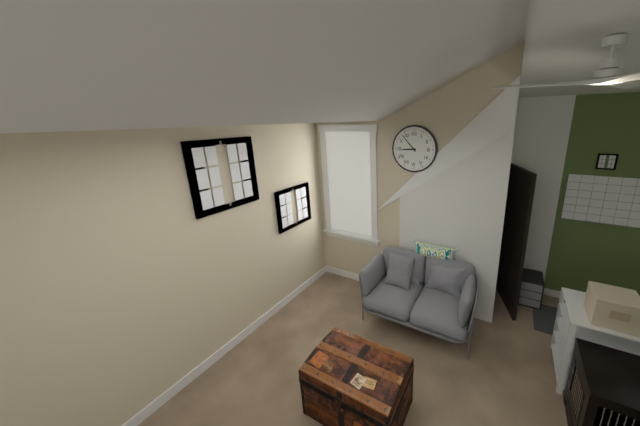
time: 8:53
